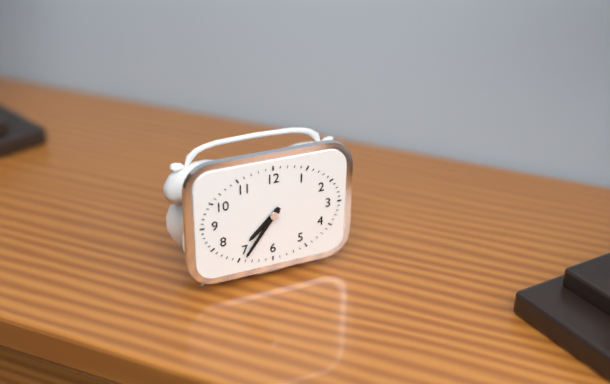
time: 7:36
